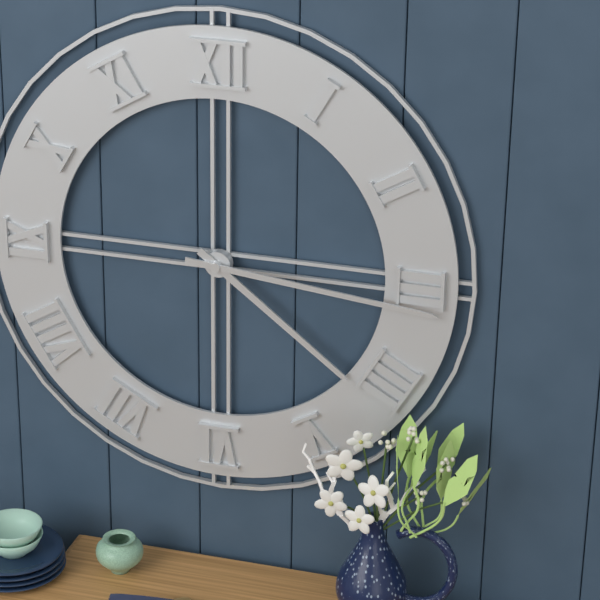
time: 4:16
